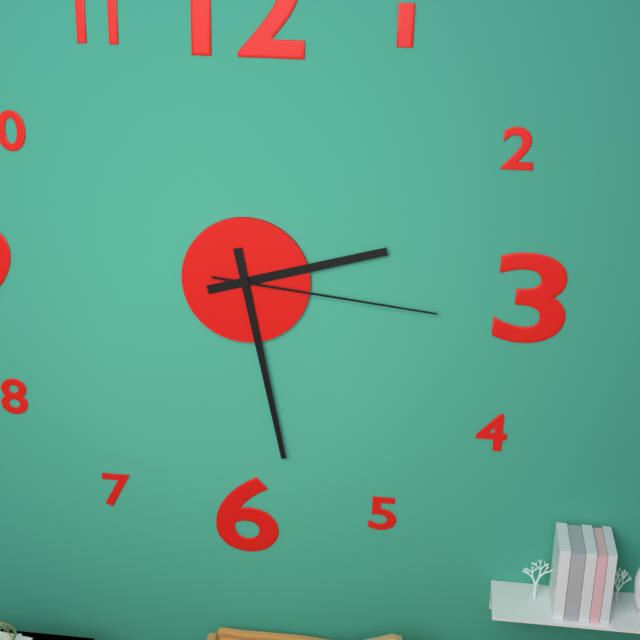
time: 2:28:16
